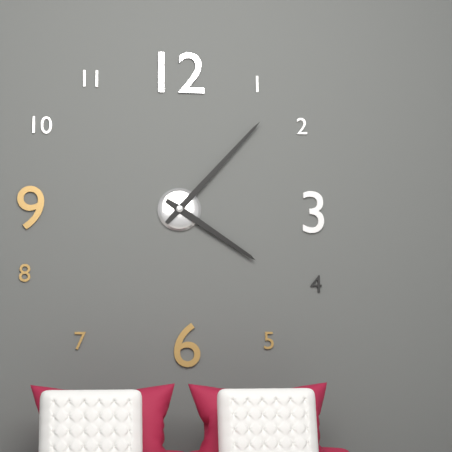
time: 4:07
